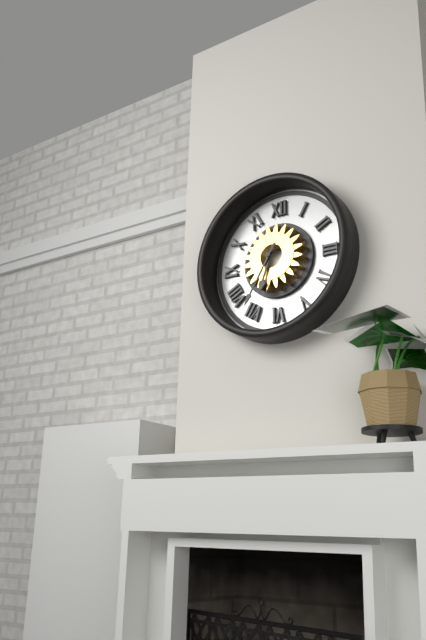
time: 6:35
